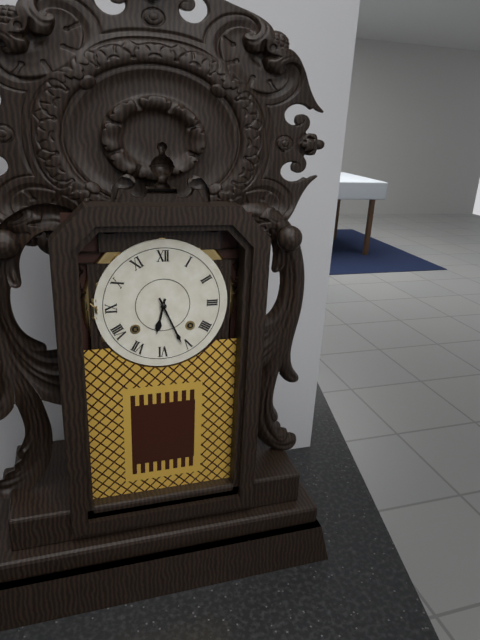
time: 6:26
